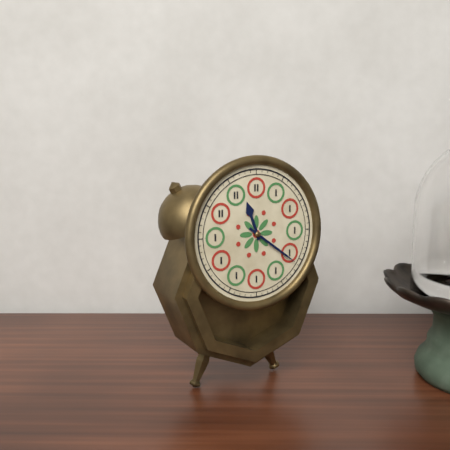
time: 11:21
